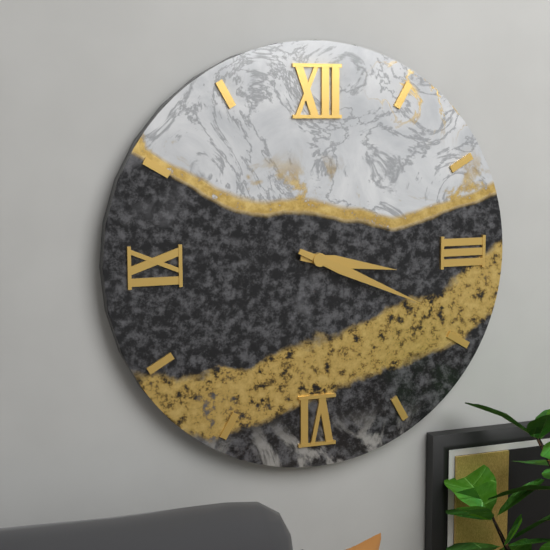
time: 3:19
